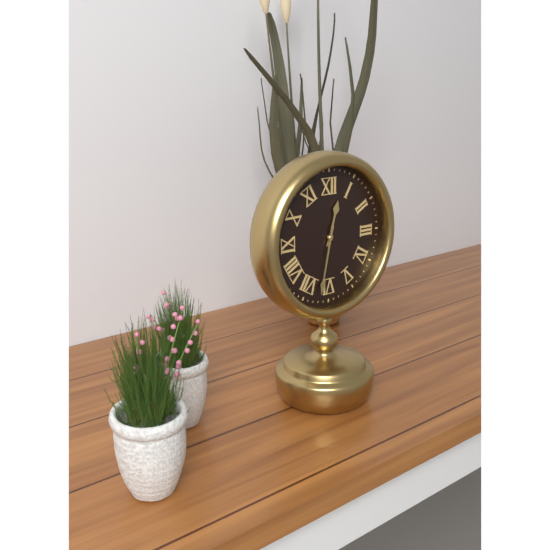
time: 12:32
